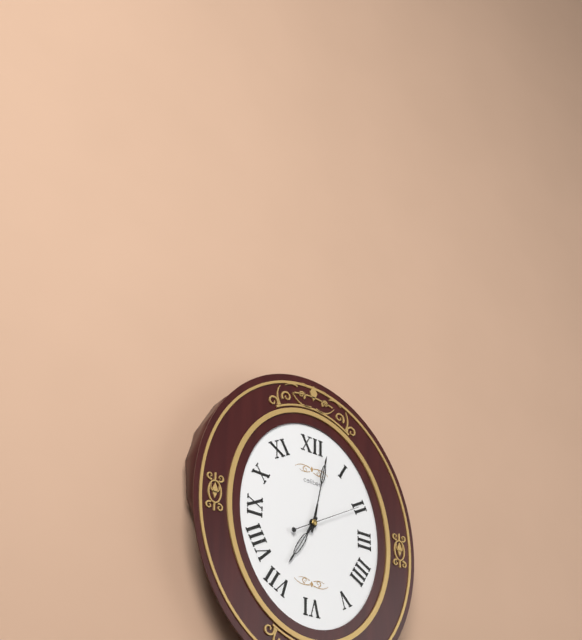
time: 7:02:10
